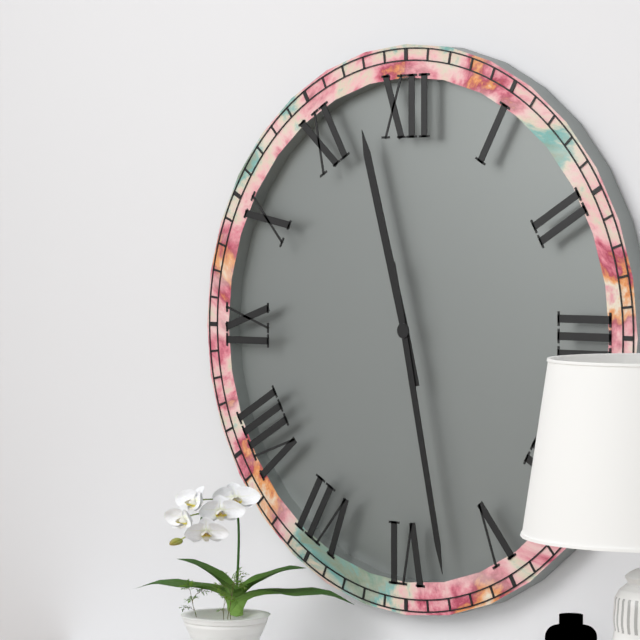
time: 11:28
